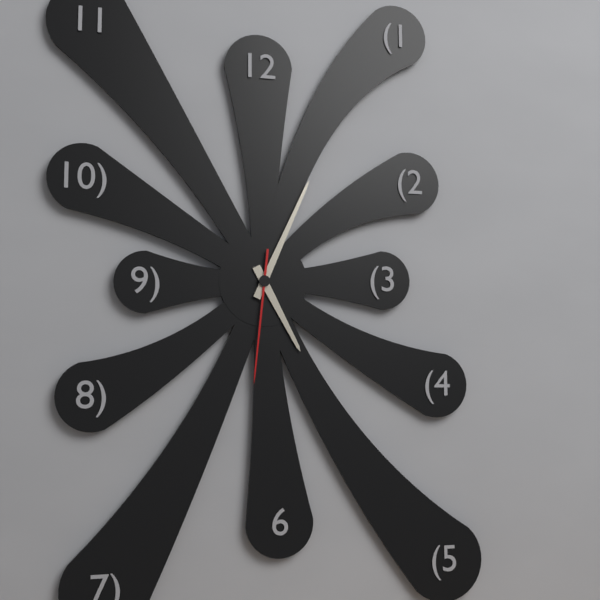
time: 5:04:31
